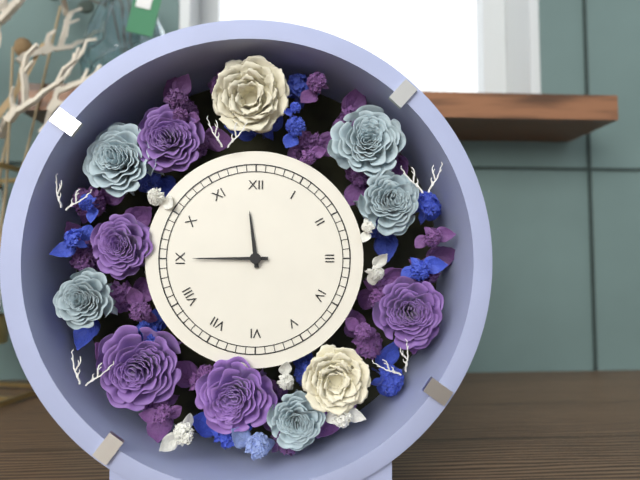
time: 11:45
